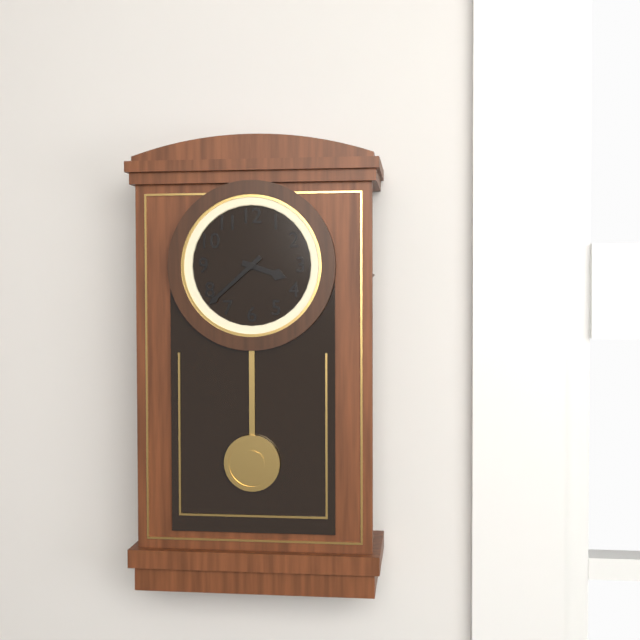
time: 3:38
